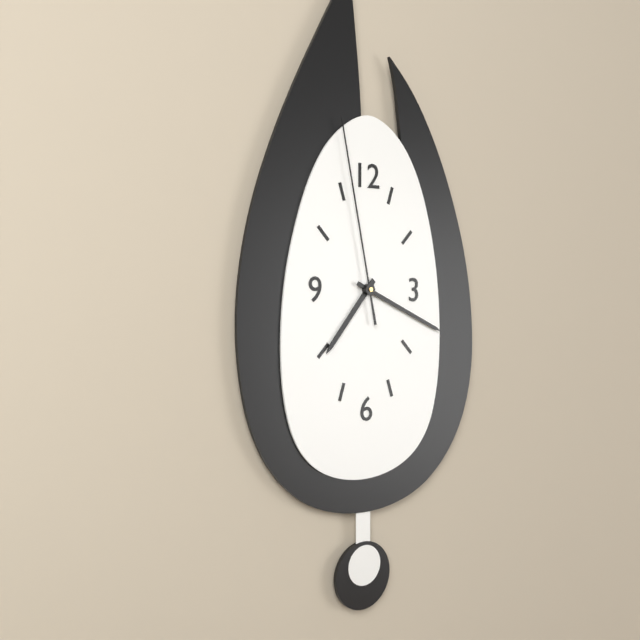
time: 7:19:58
